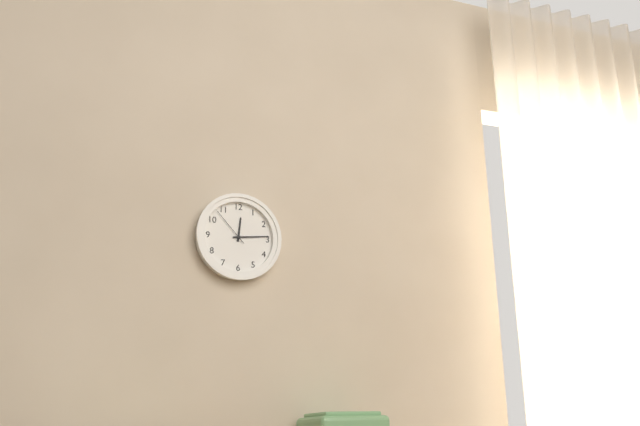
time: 12:14
